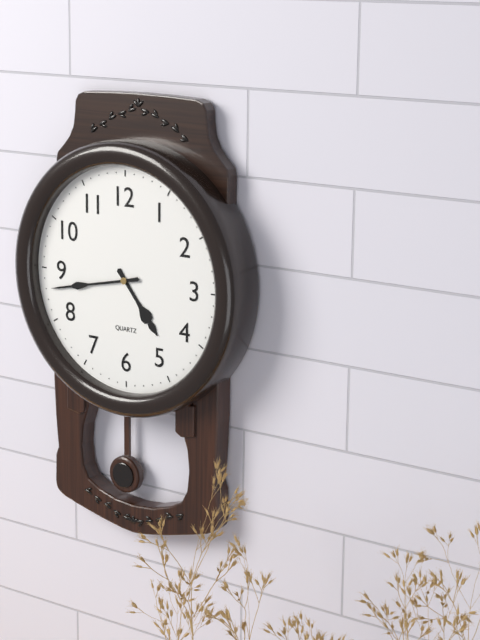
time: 4:43
